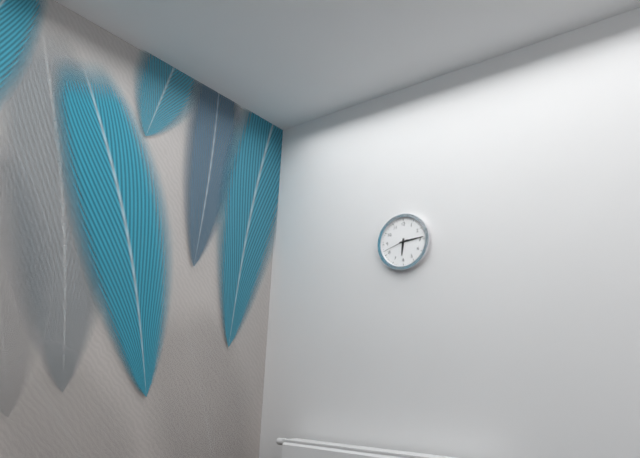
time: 6:14
